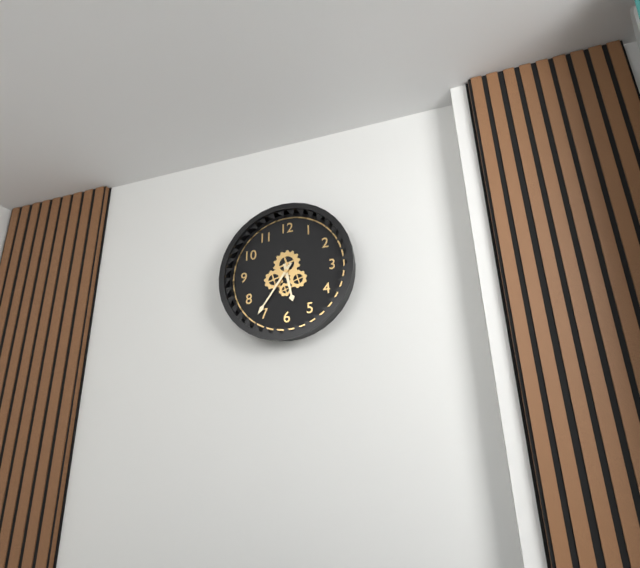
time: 5:36
